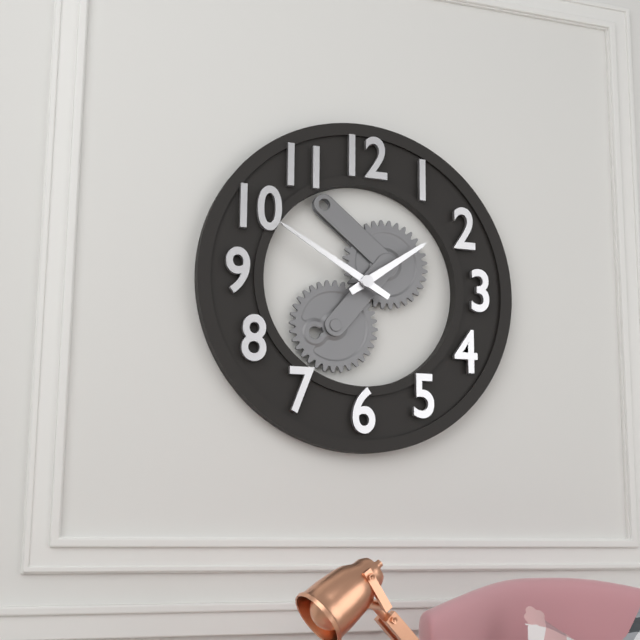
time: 1:50
